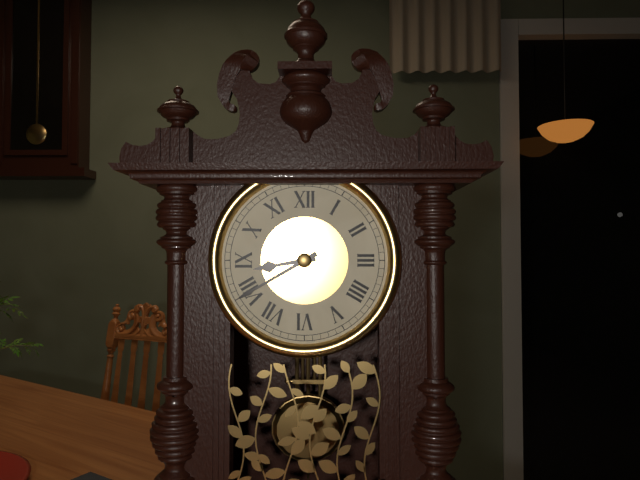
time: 8:40
